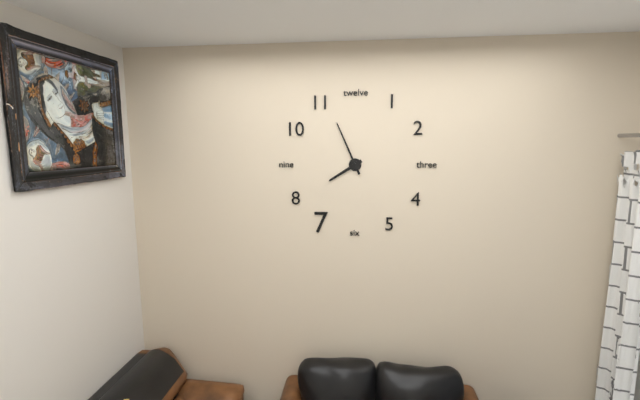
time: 7:56
